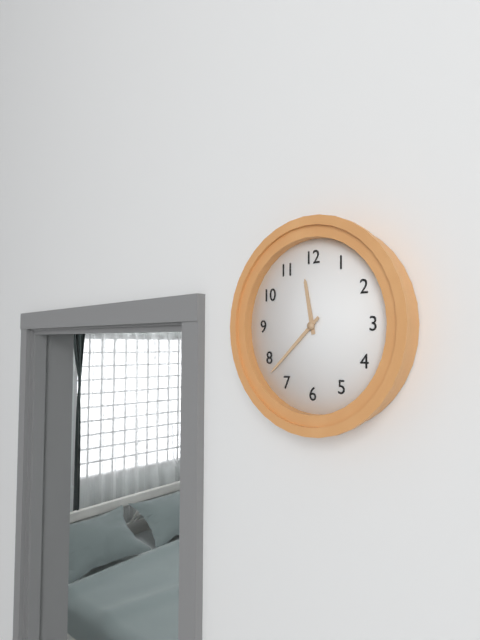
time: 11:38
